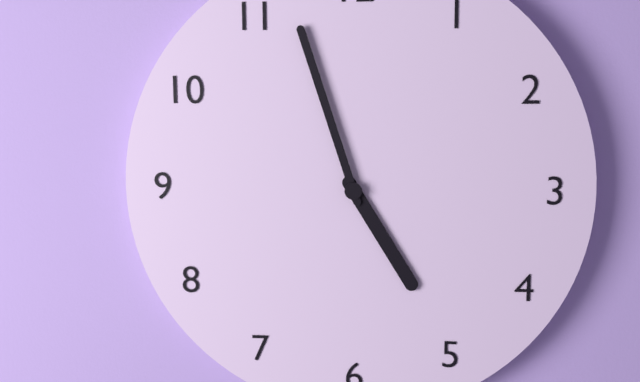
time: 4:57
